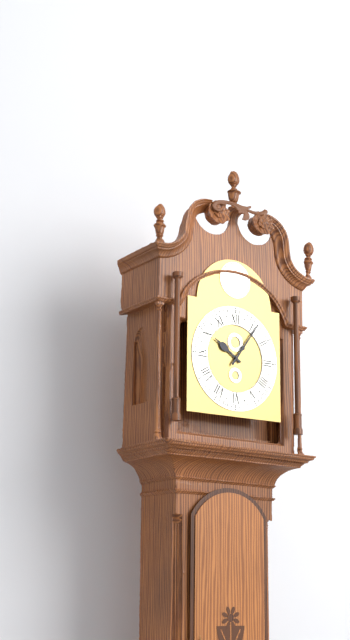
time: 10:06
